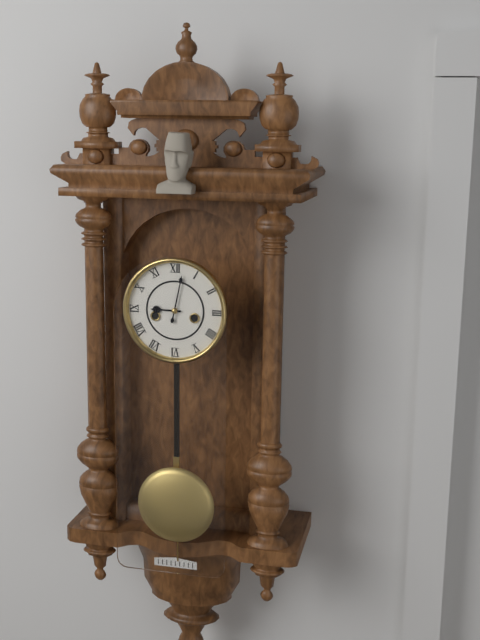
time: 9:02
